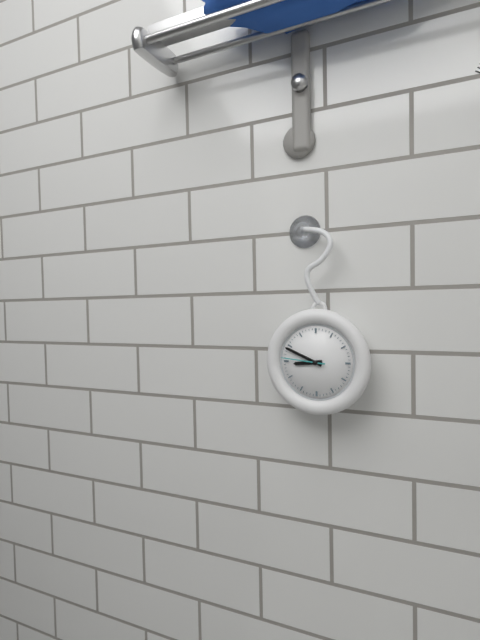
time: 8:49
